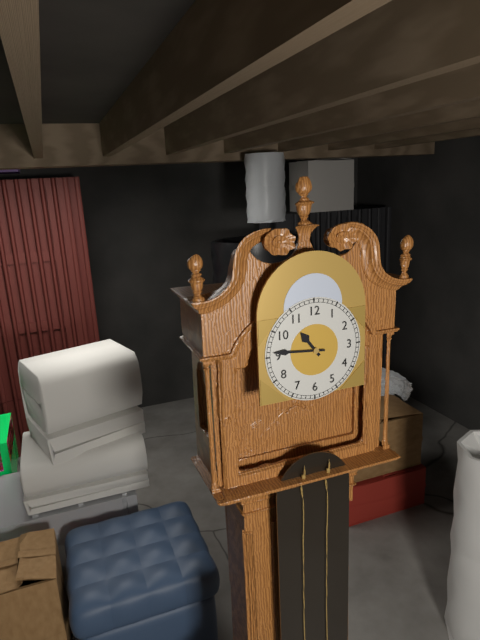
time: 10:46
